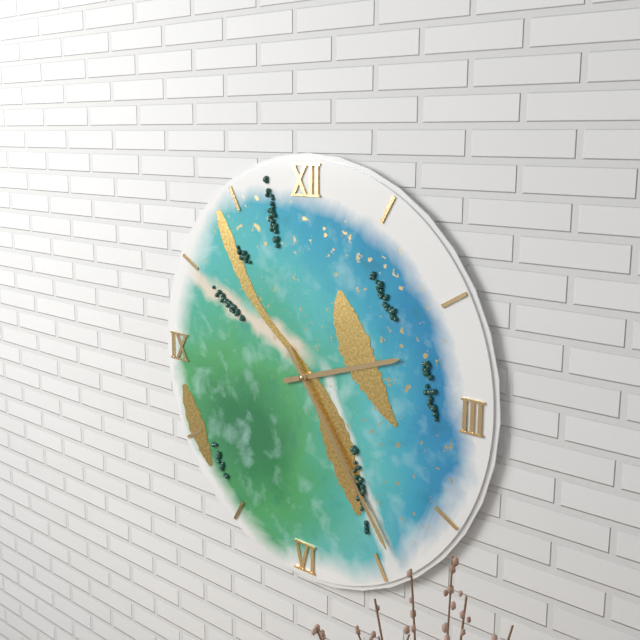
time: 2:24
